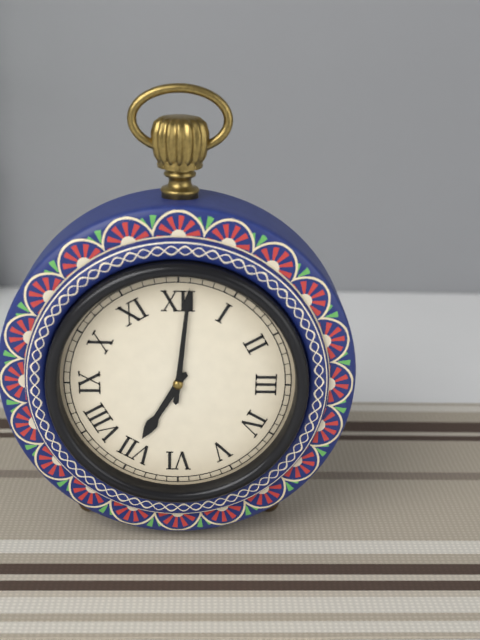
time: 7:01
